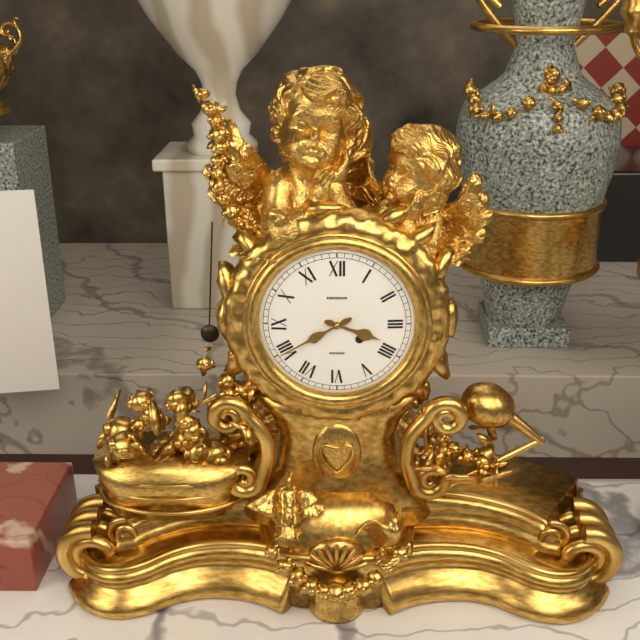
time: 3:40
